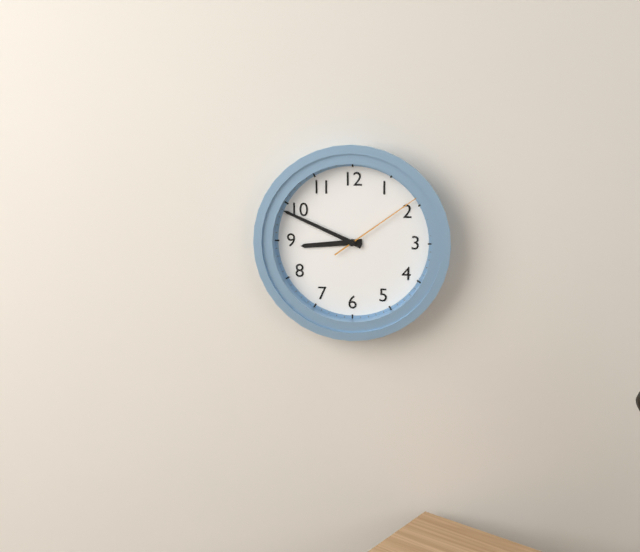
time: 8:49:09
